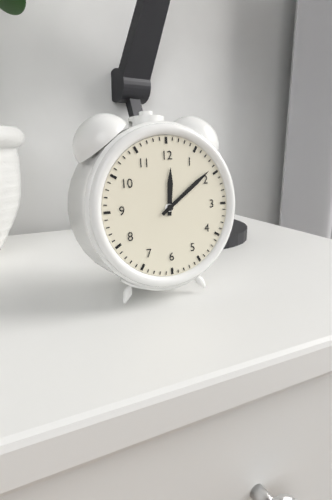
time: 12:09
